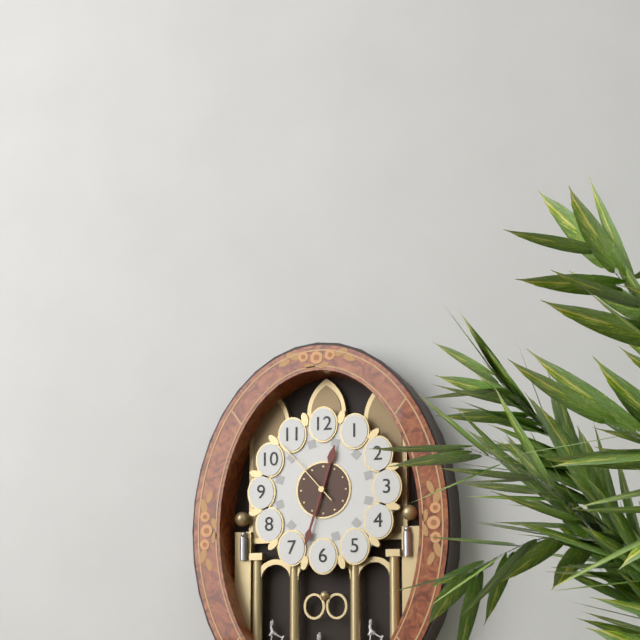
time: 12:33:53
